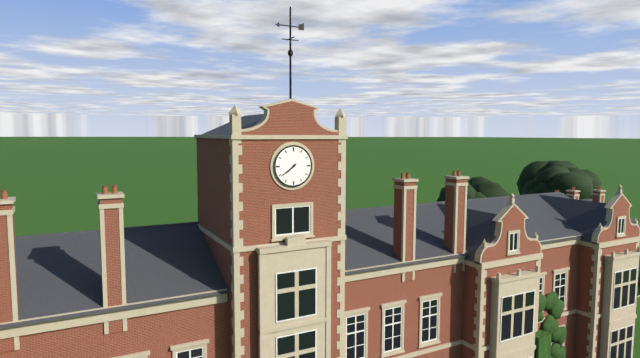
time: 7:39
